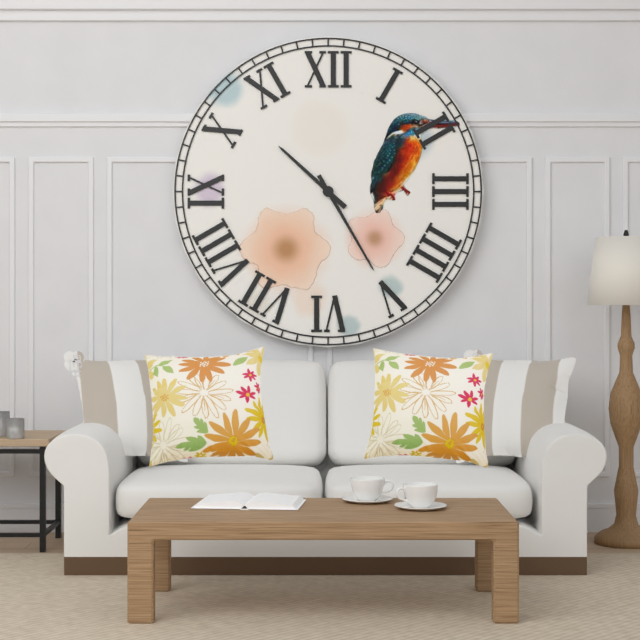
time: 10:25
